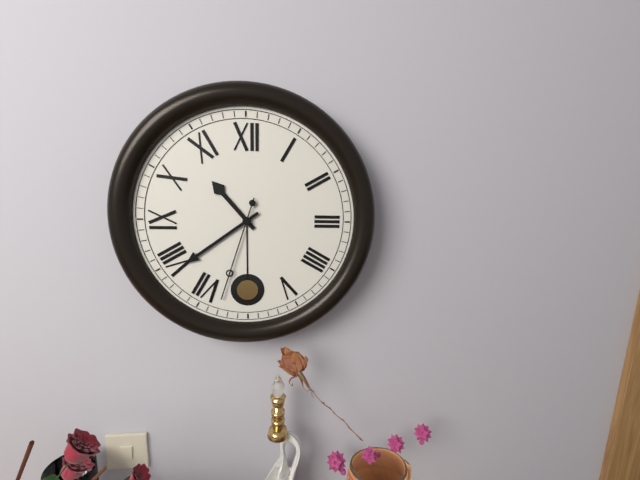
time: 10:39:33
